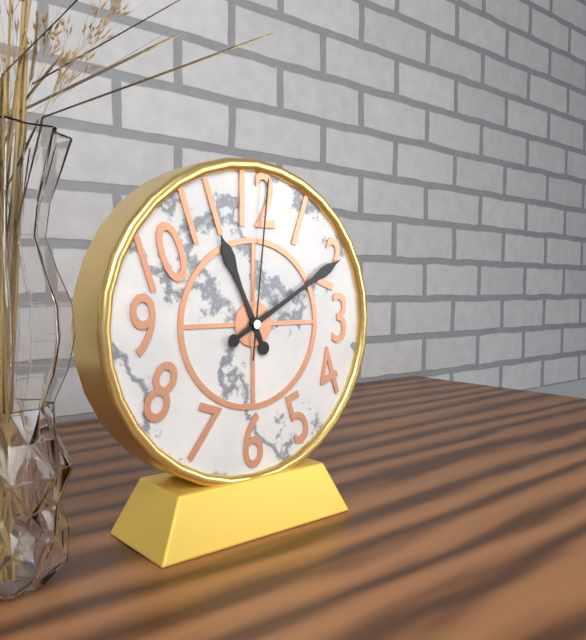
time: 11:10:01
